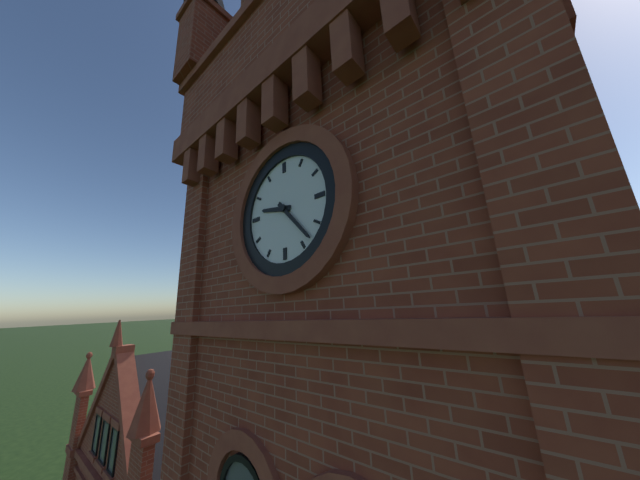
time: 9:23
